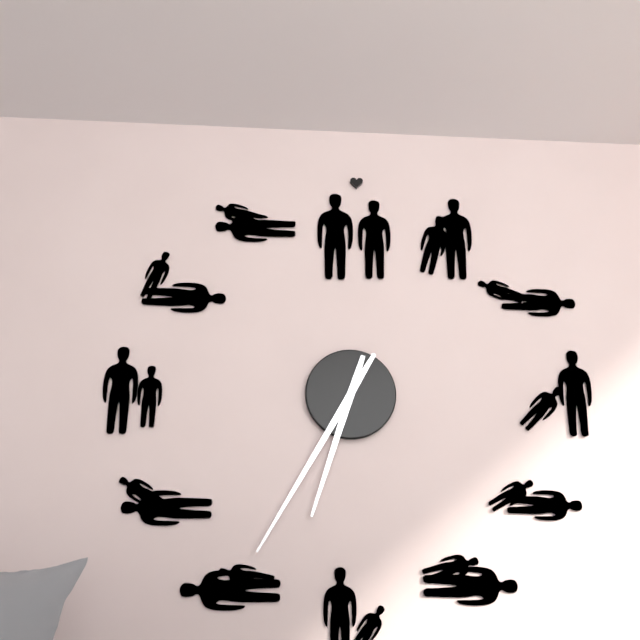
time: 6:35
